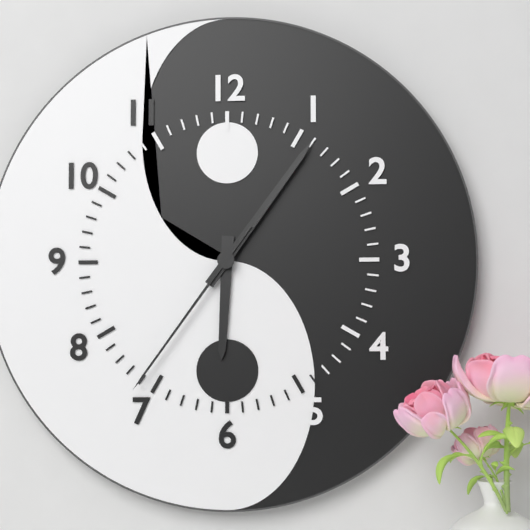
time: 6:06:36
